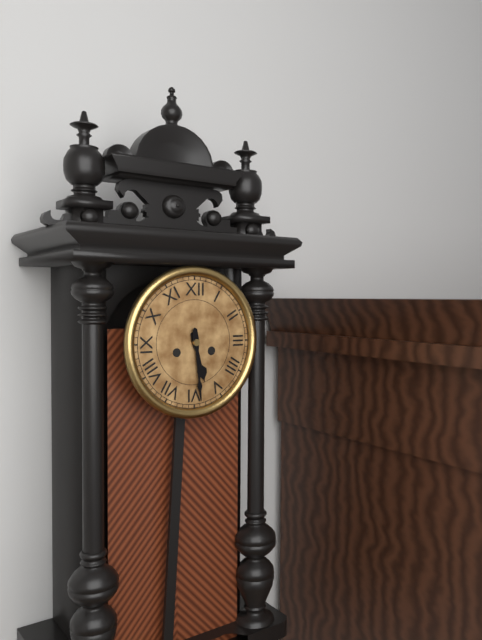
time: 5:29
